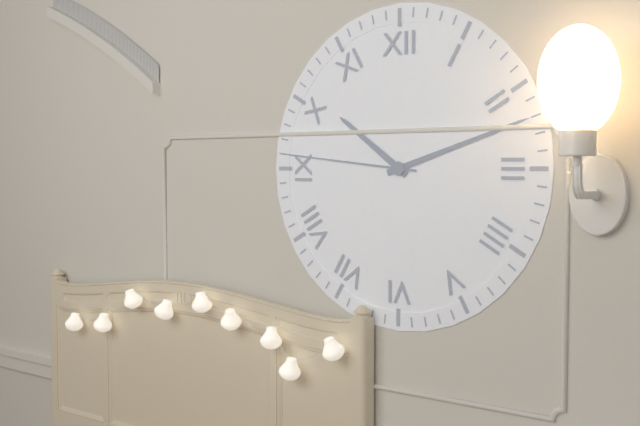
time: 10:12:46
